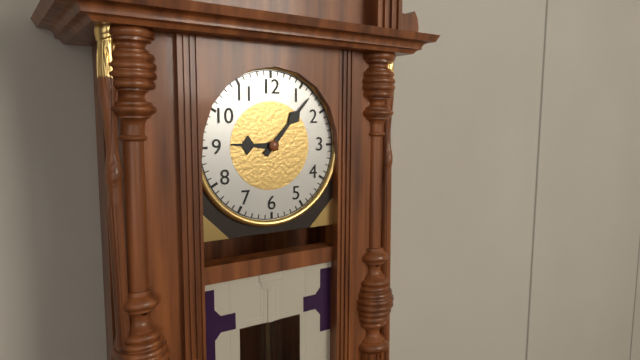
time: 9:07
